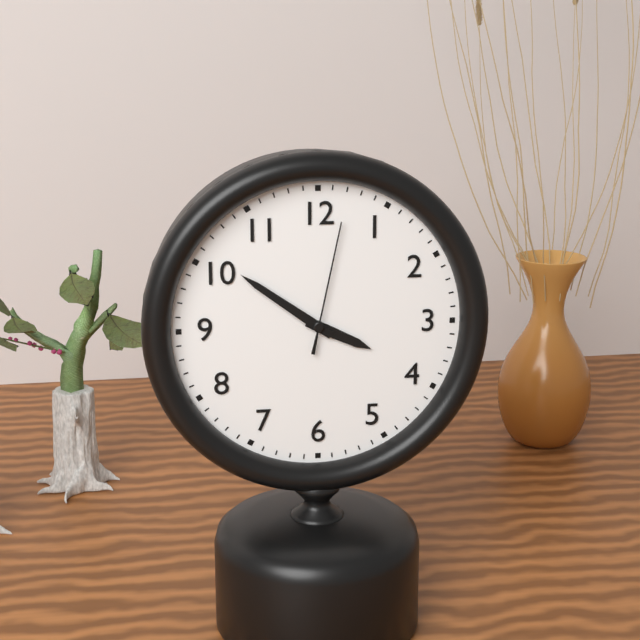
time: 3:51:02
